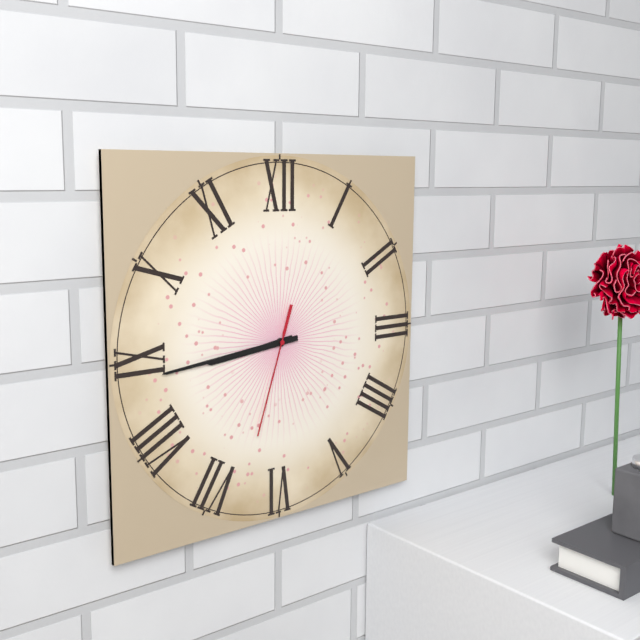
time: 8:44:33
